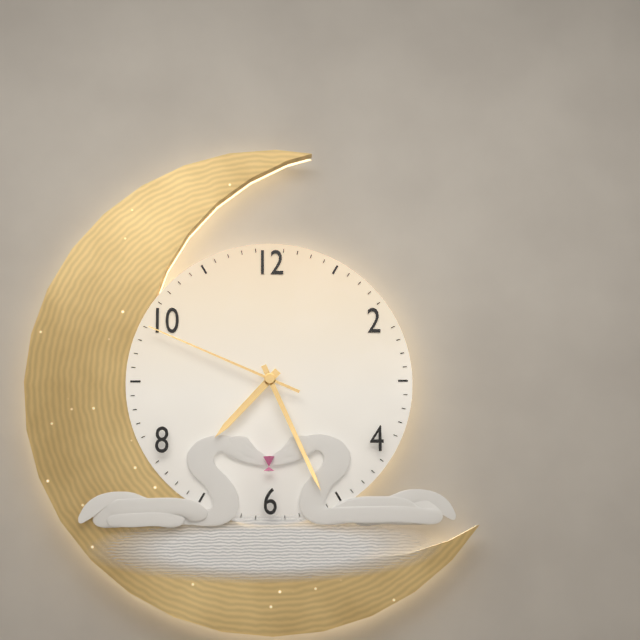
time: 7:26:49
